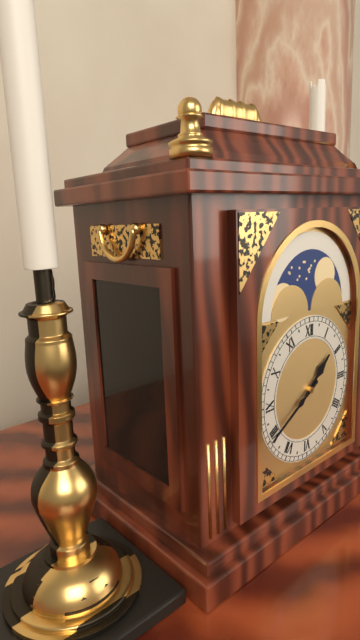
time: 1:40
